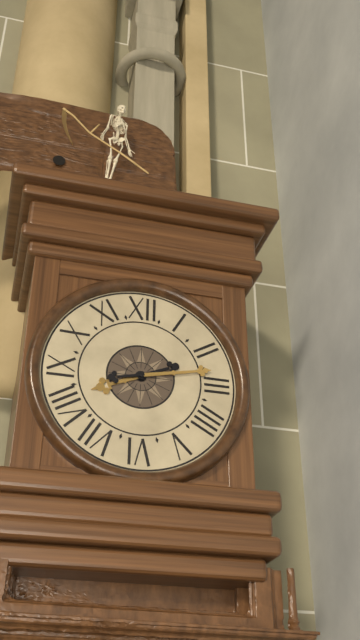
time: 8:13
